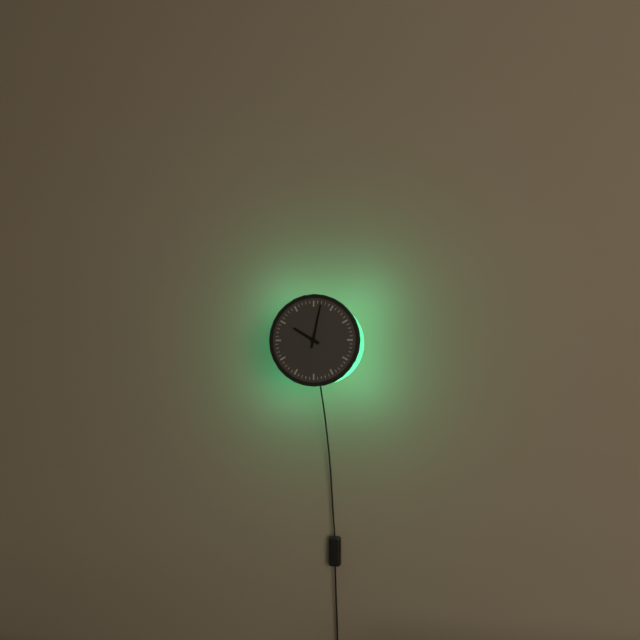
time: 10:02
